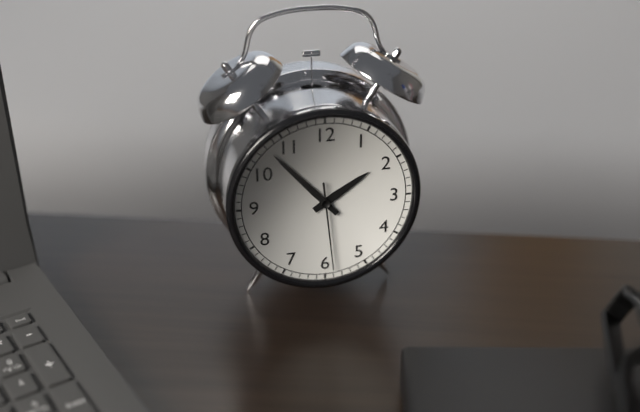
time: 1:53:29
